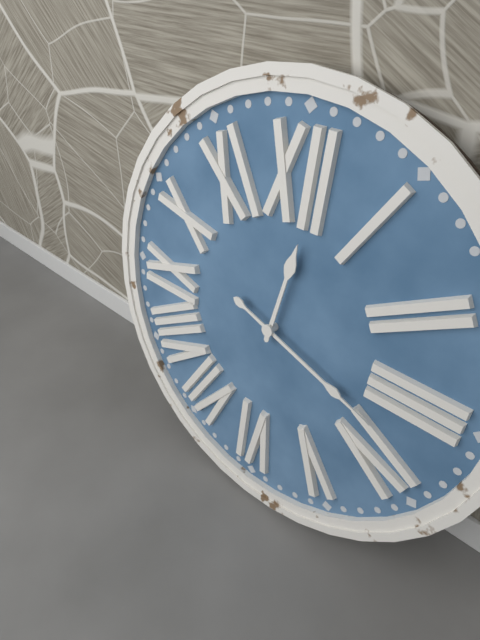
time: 12:18
